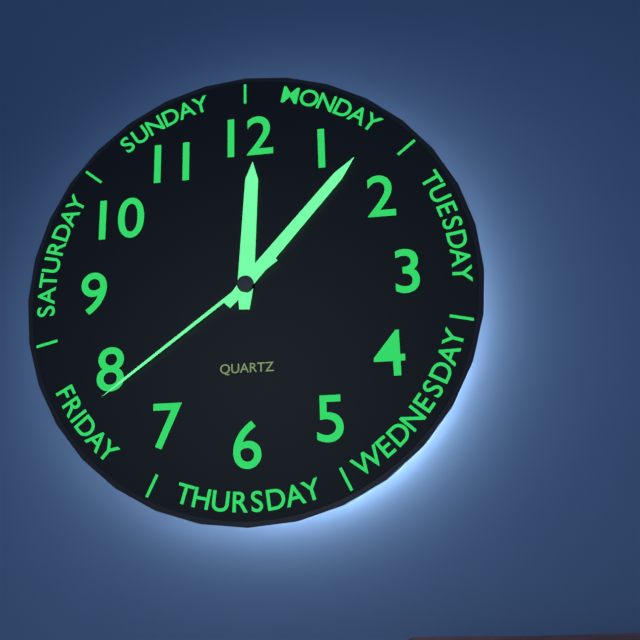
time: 12:07:39
